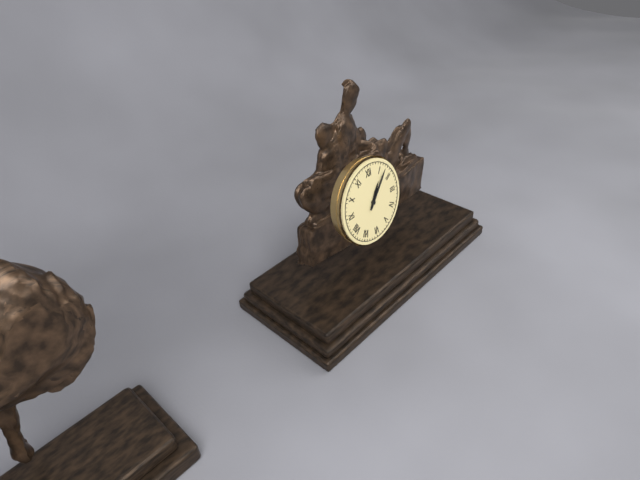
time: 1:07
